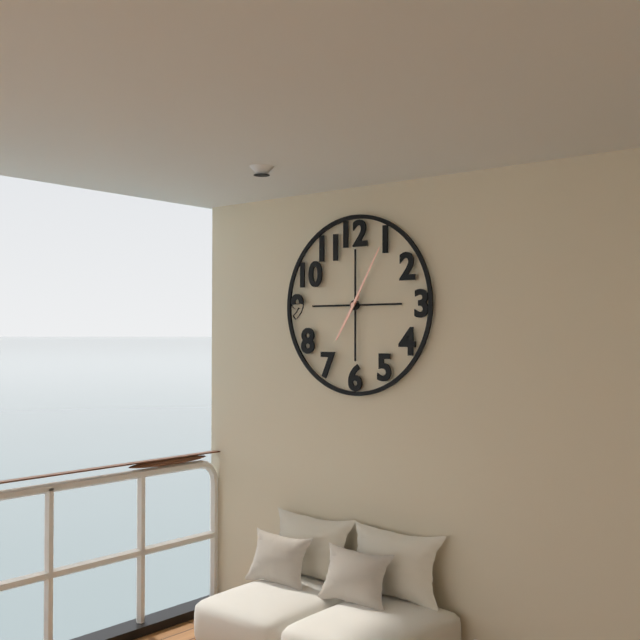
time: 7:05
